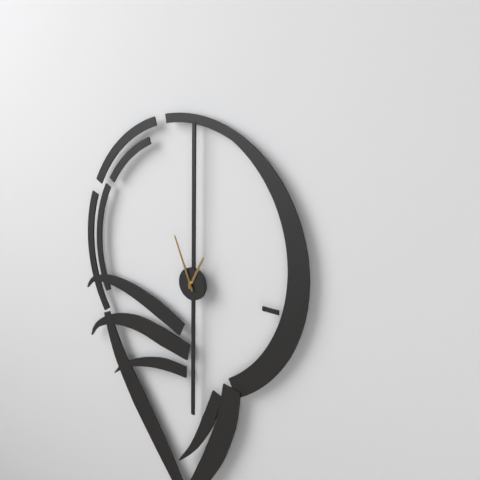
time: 12:56
